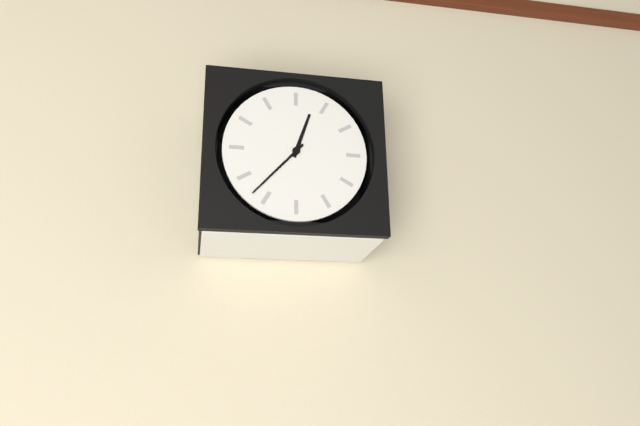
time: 12:37
